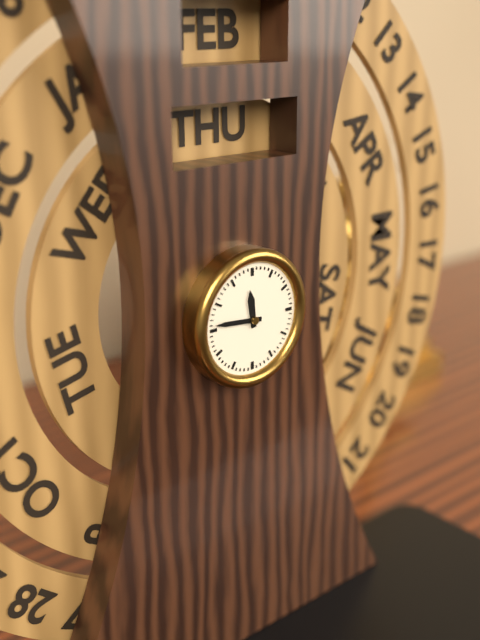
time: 11:46
